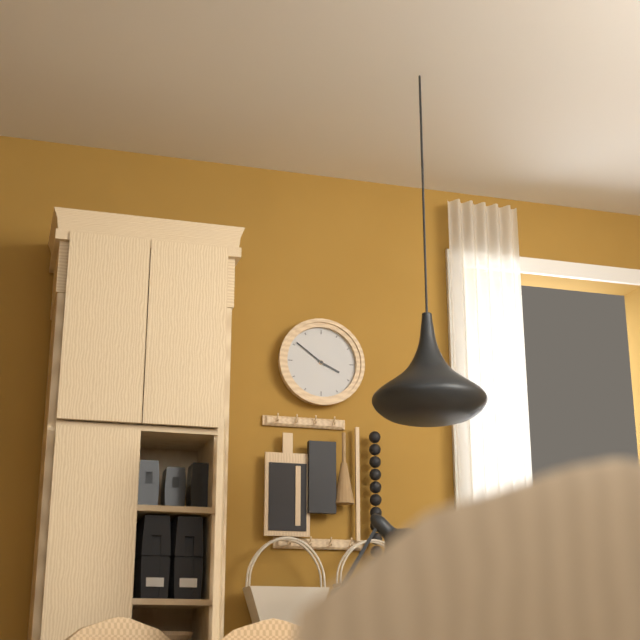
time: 3:51
